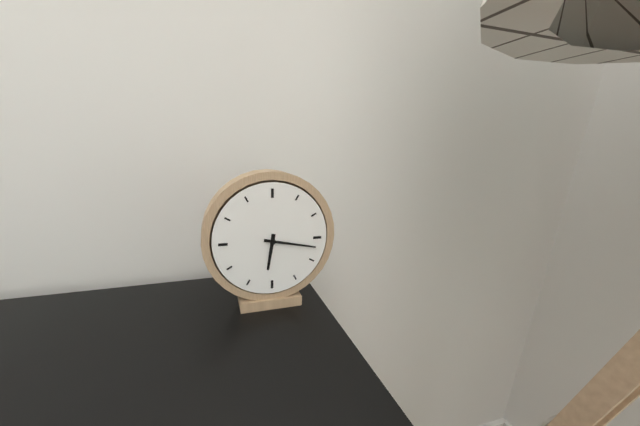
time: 6:17
